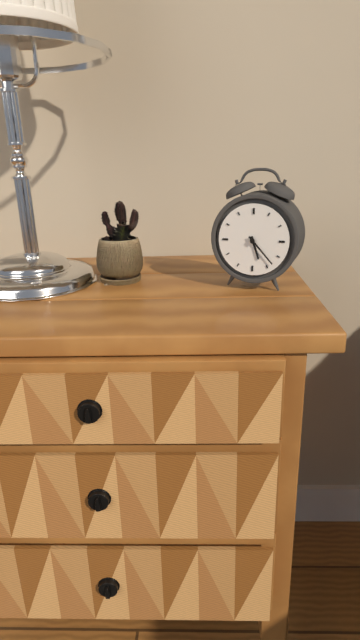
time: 5:23
